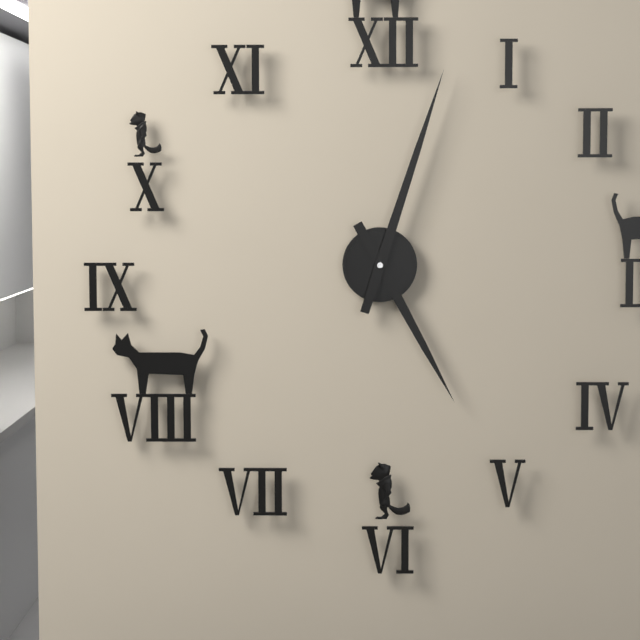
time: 5:03
